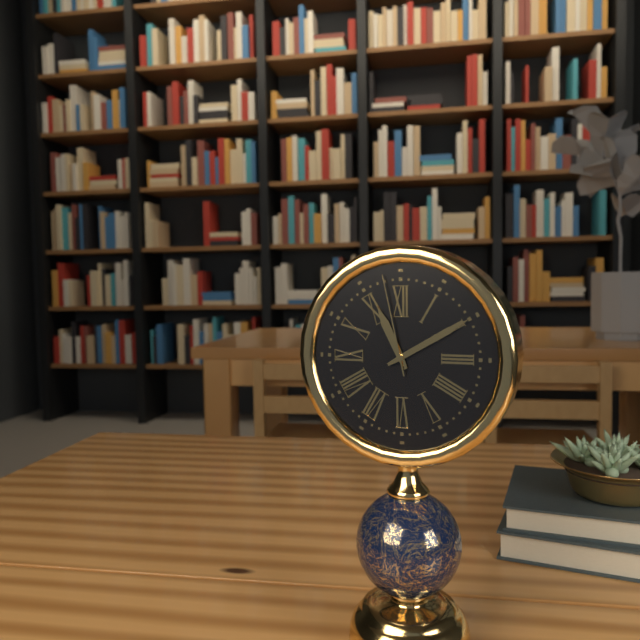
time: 11:10:58
